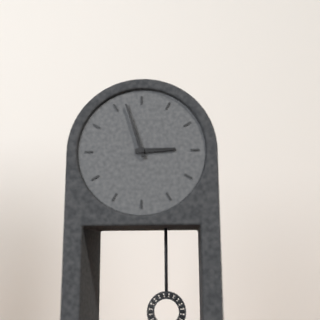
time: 2:57
